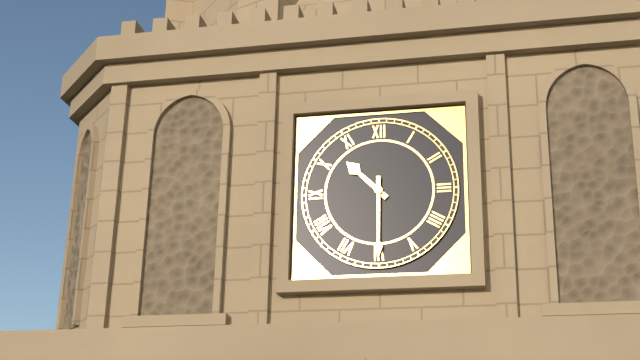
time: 10:30
